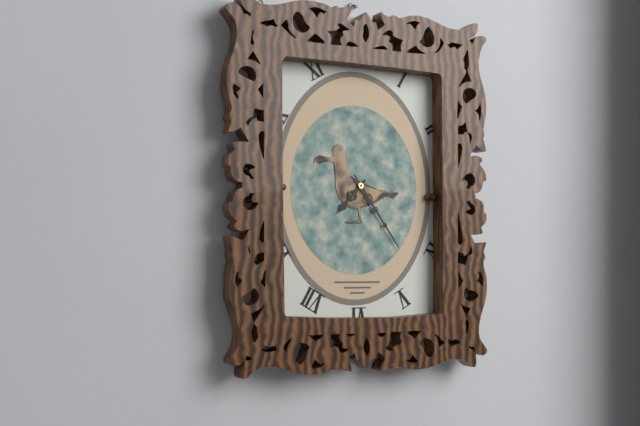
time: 7:24
